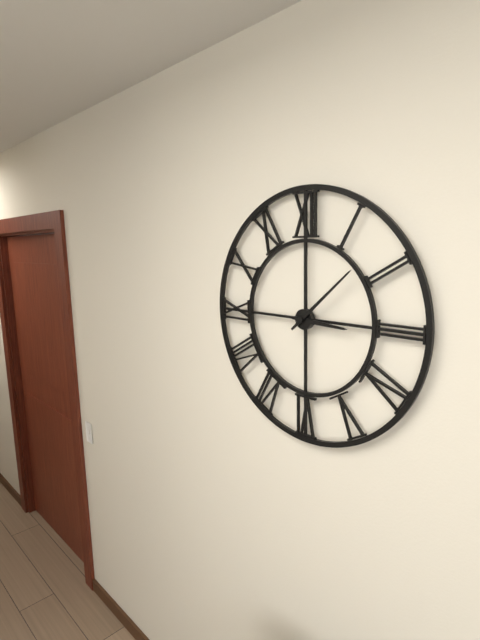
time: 3:08
